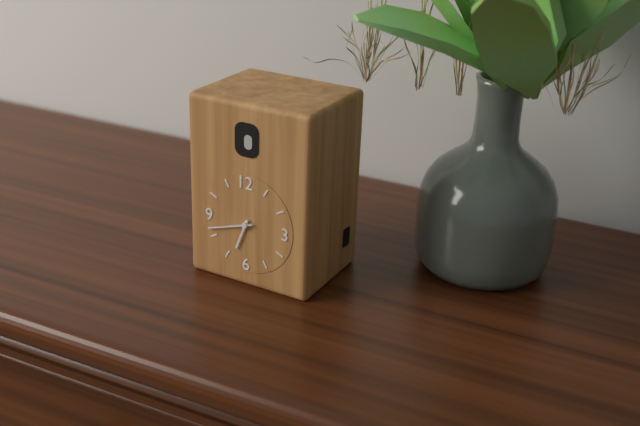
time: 6:42
